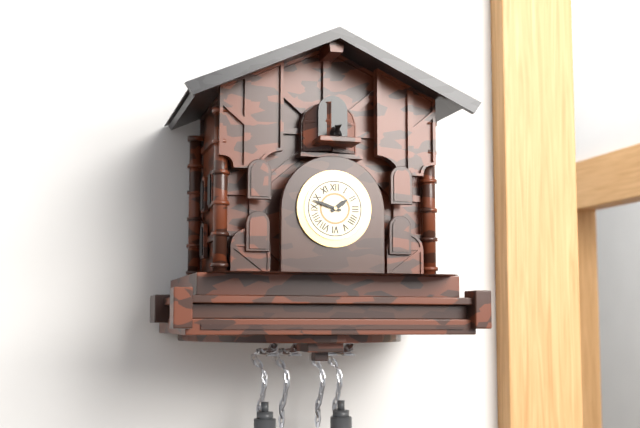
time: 1:48
